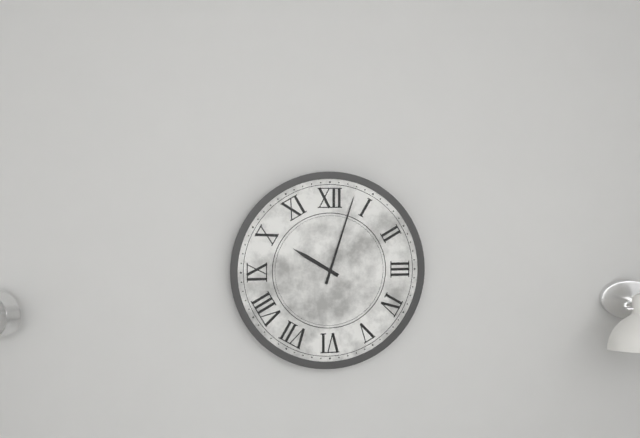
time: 10:03
